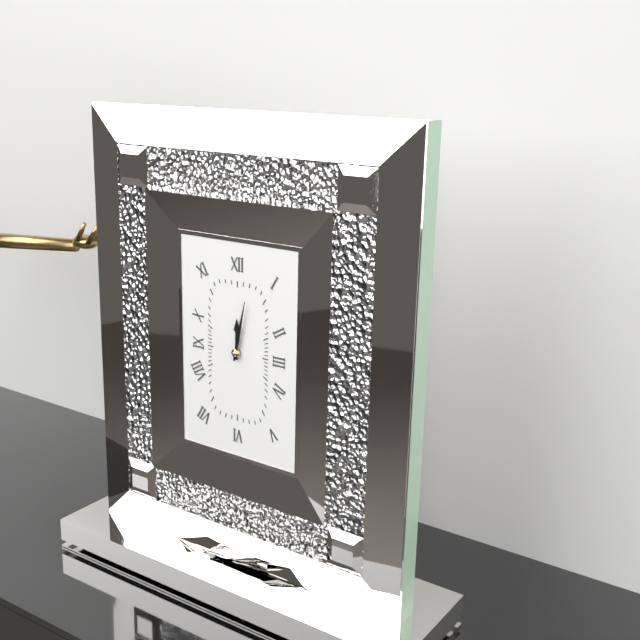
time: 12:02
